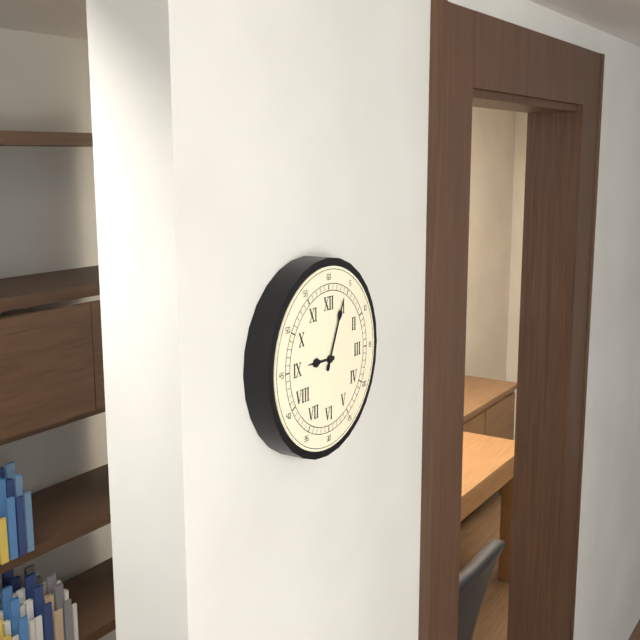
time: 9:04
